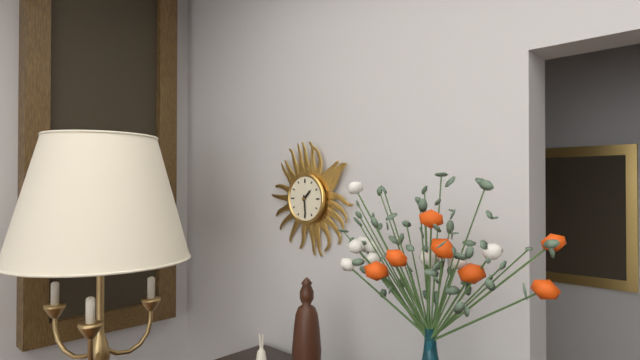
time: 1:29
